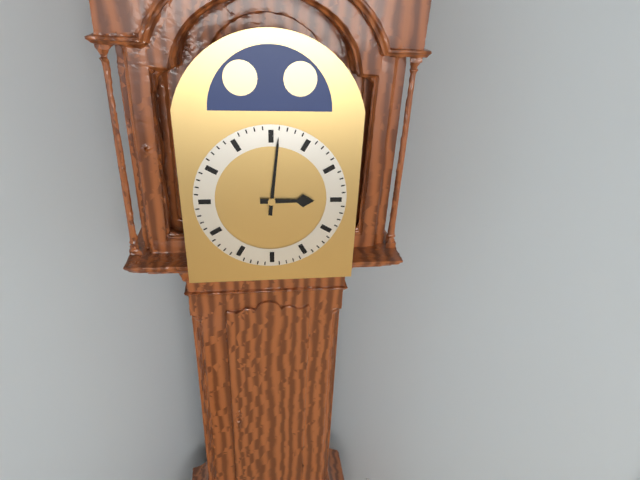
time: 3:01
